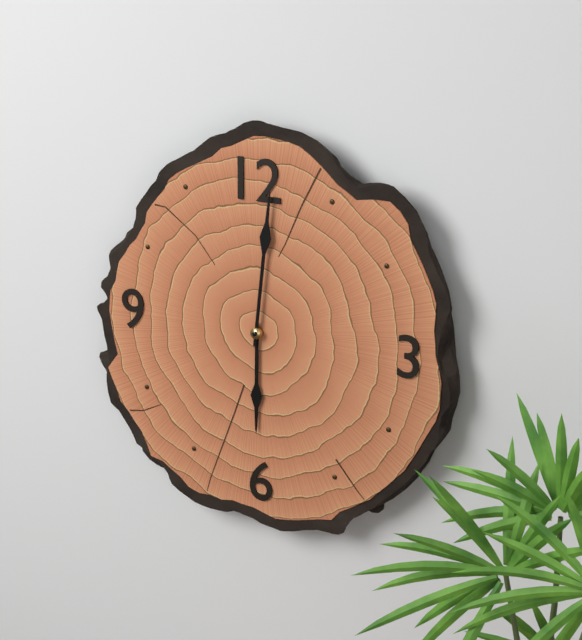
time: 6:01
